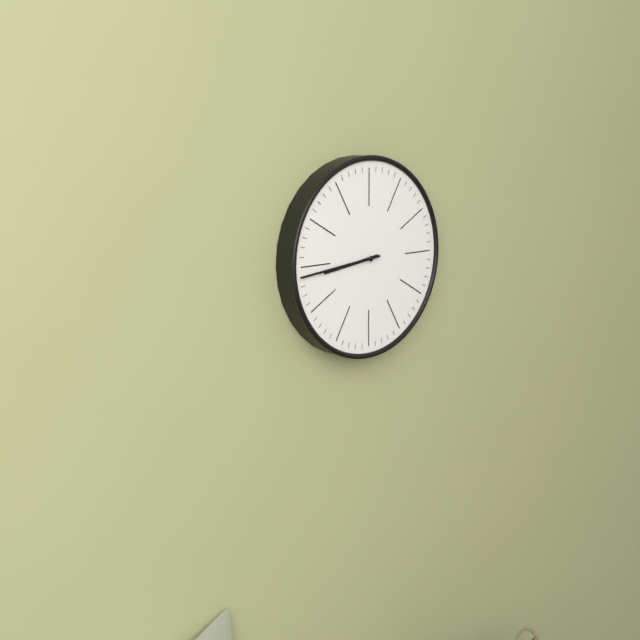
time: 8:44
